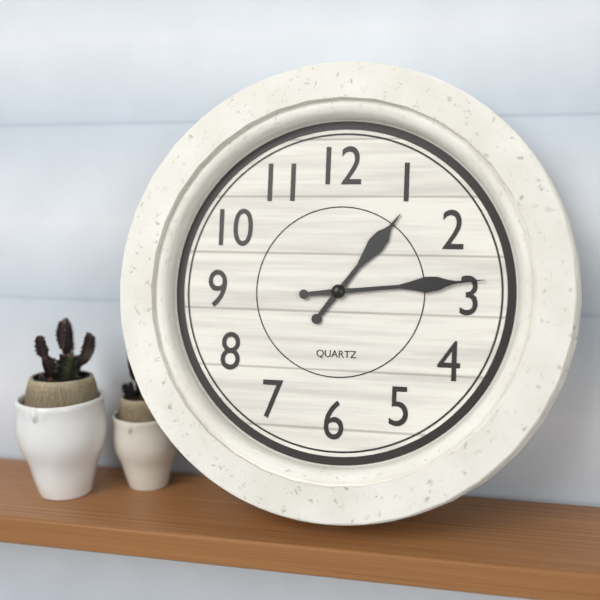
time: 1:14
